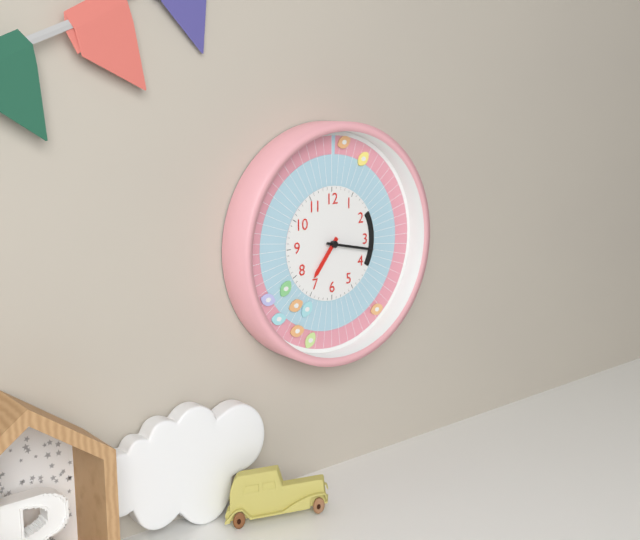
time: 7:17
